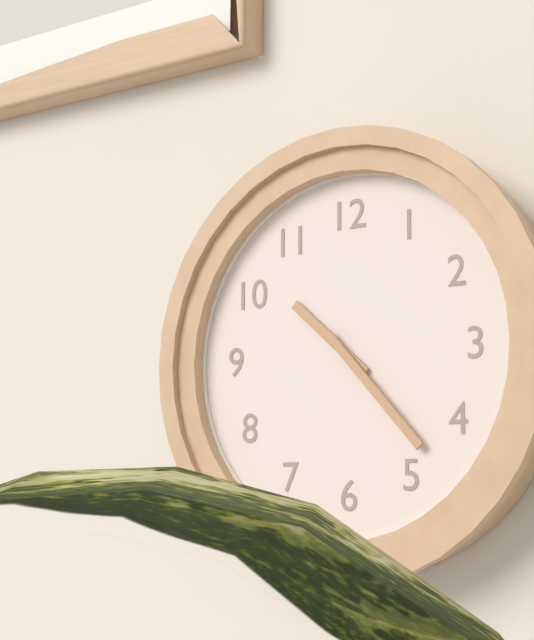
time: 10:23
